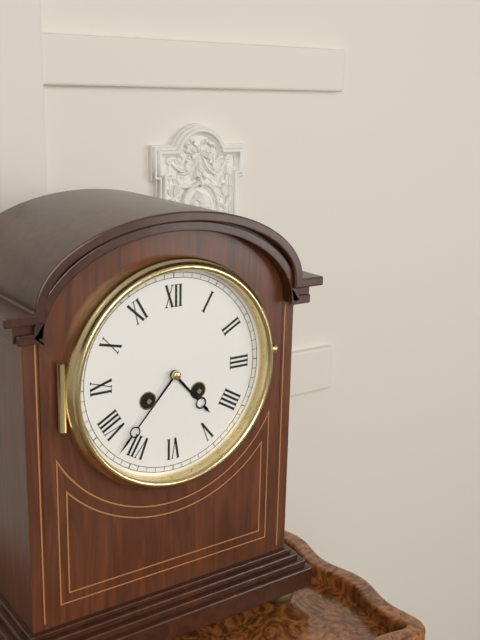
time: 4:37
